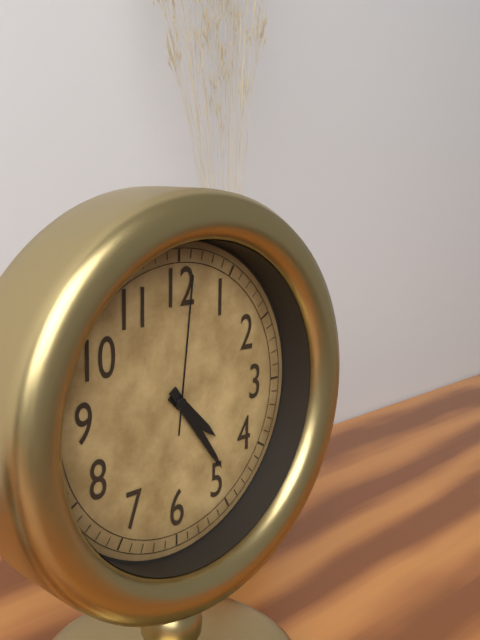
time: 4:24:01
